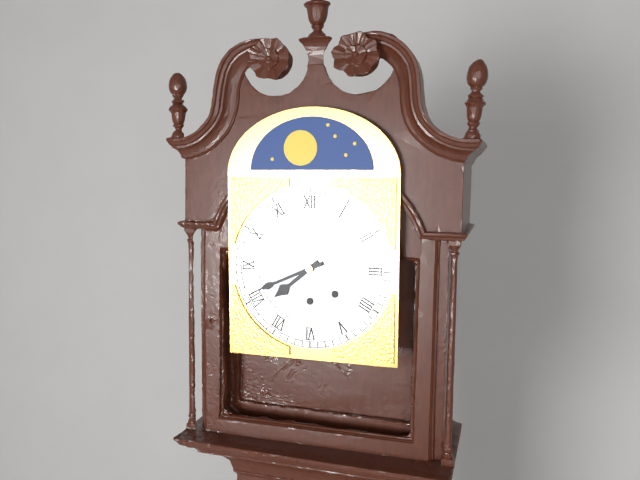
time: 7:41
